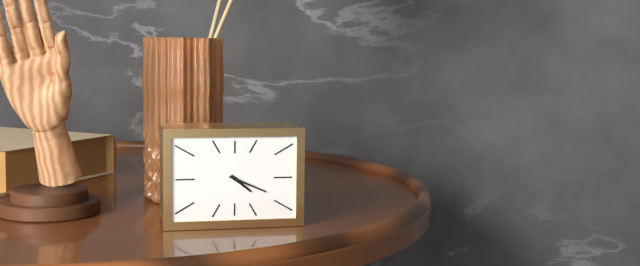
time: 4:19
